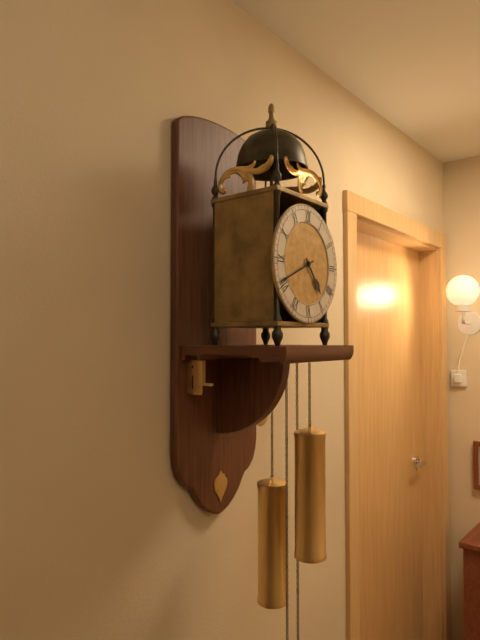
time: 4:41
